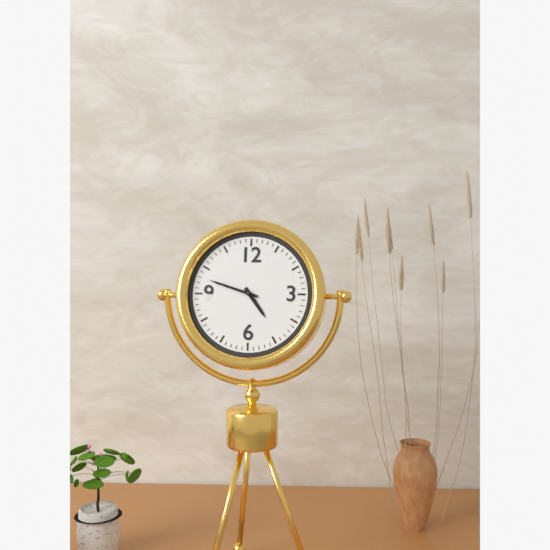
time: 4:48
